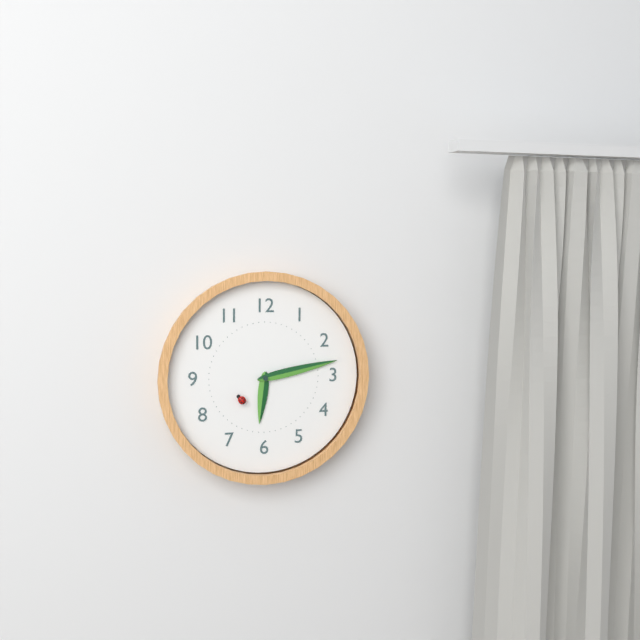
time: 6:13
